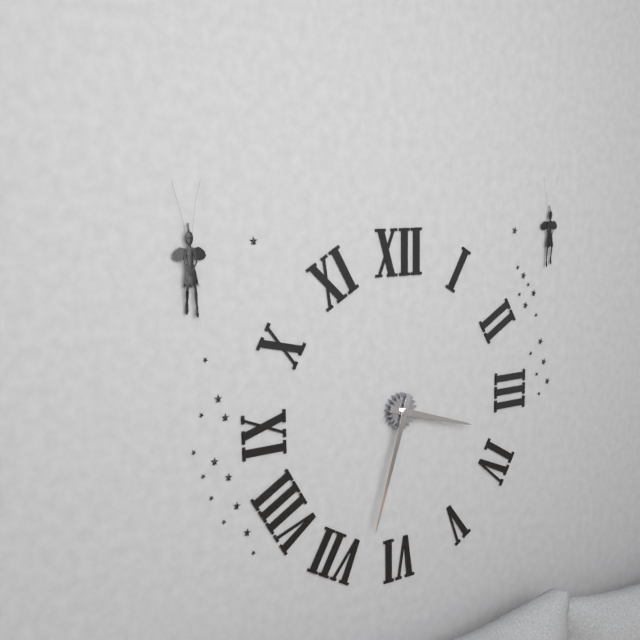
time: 3:33
